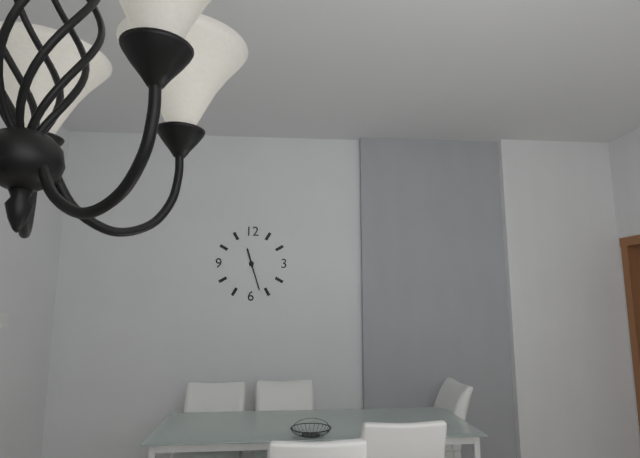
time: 11:27
